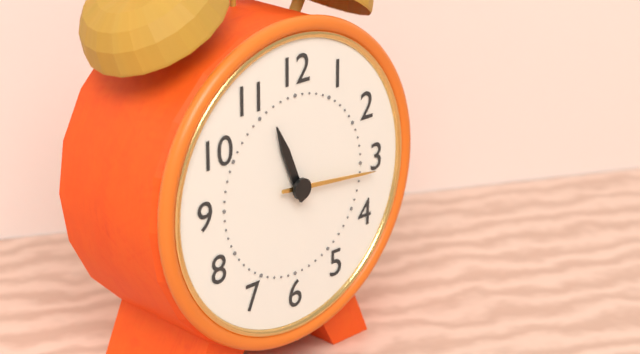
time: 11:16
